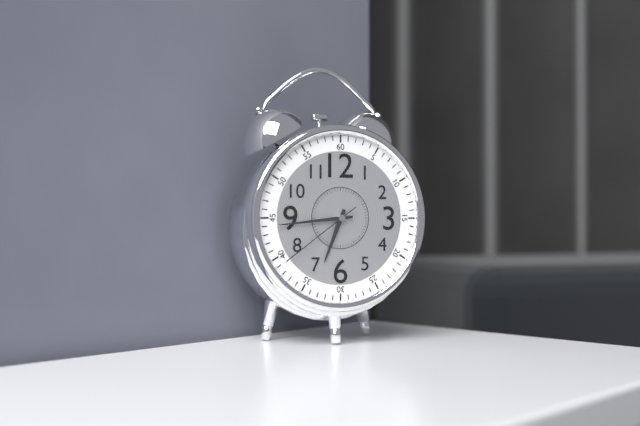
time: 6:44:39
